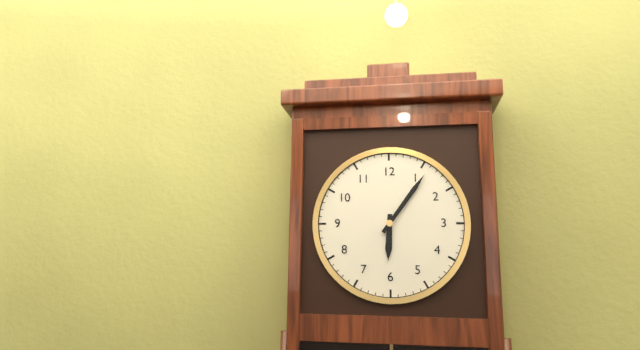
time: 6:06
